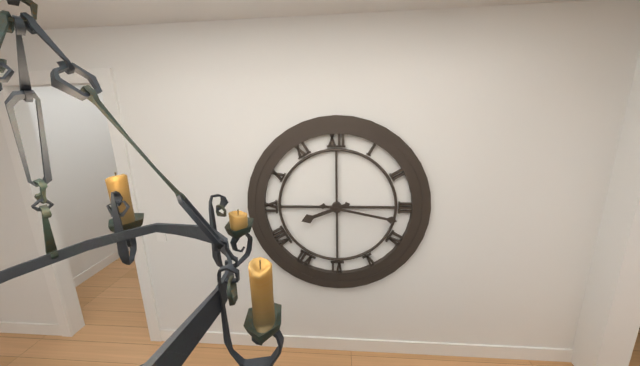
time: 8:17
